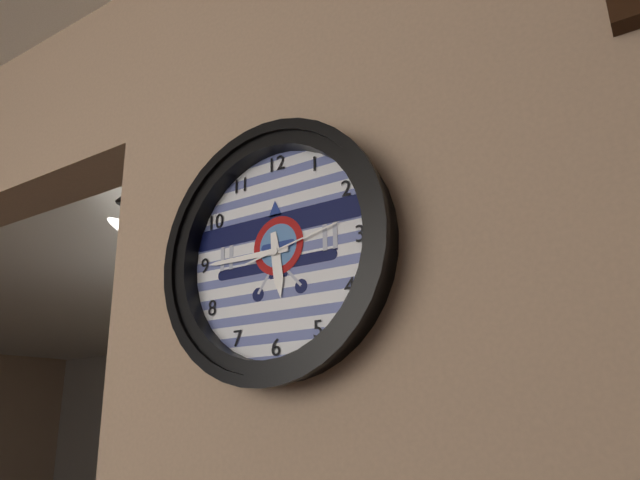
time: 5:45:13
